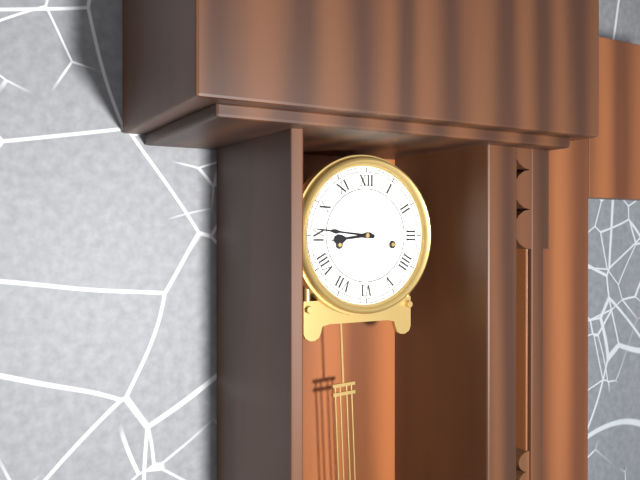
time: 8:46
